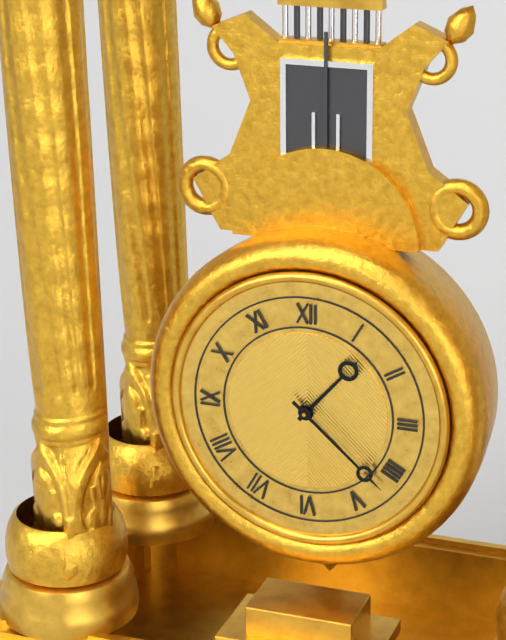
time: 1:22
